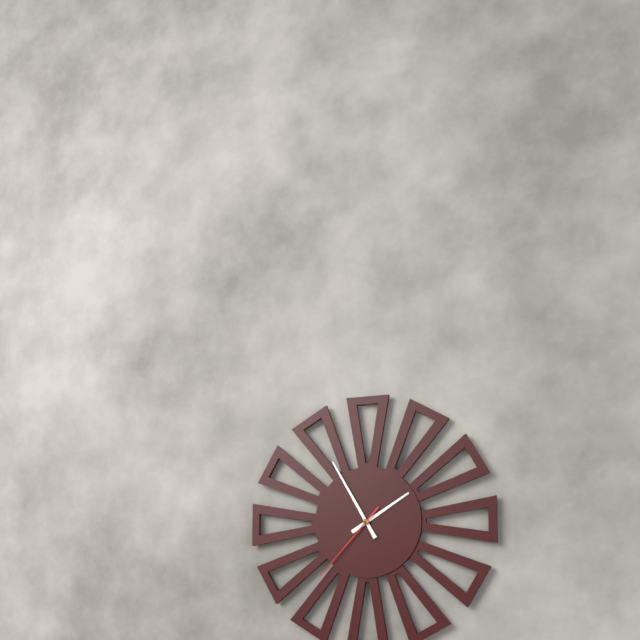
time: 1:55:37
